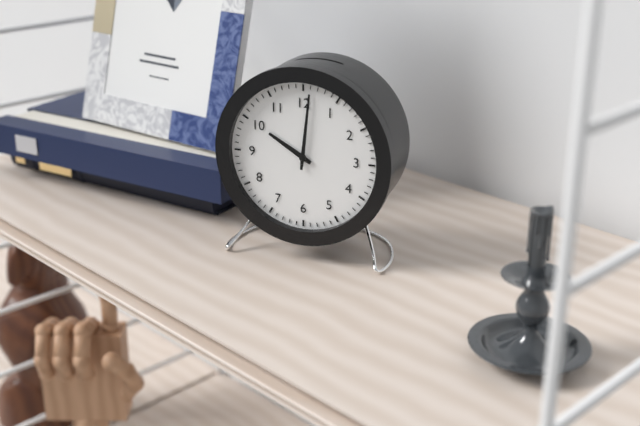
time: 10:01
